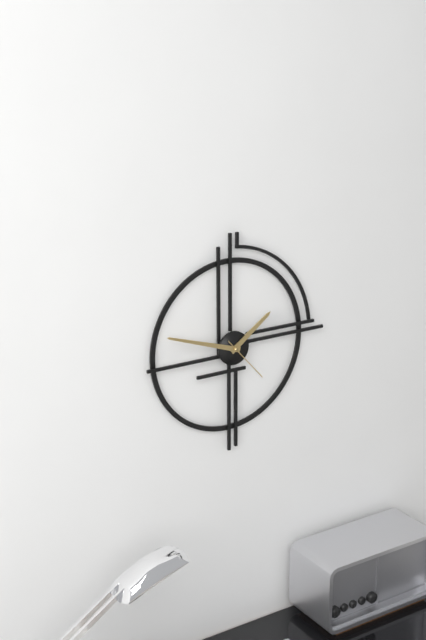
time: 1:48
